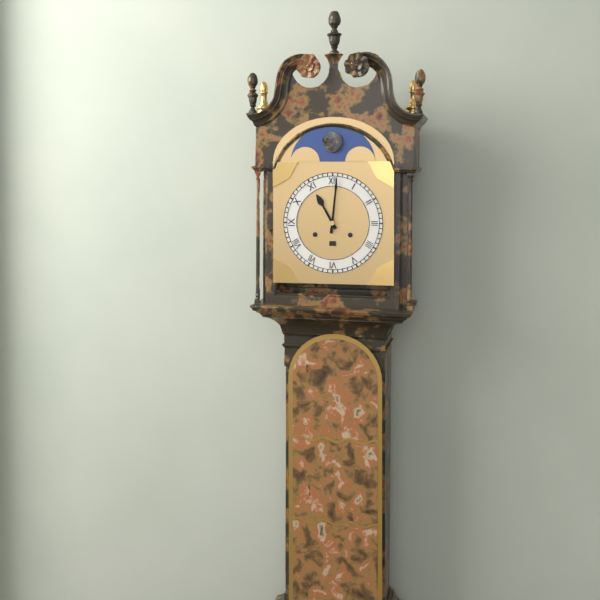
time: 11:01
